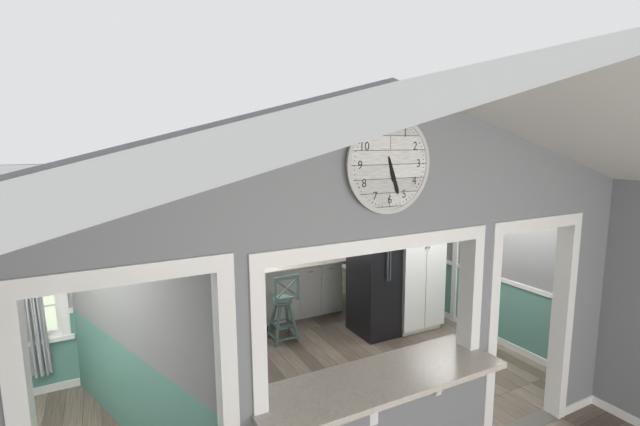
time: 5:27
